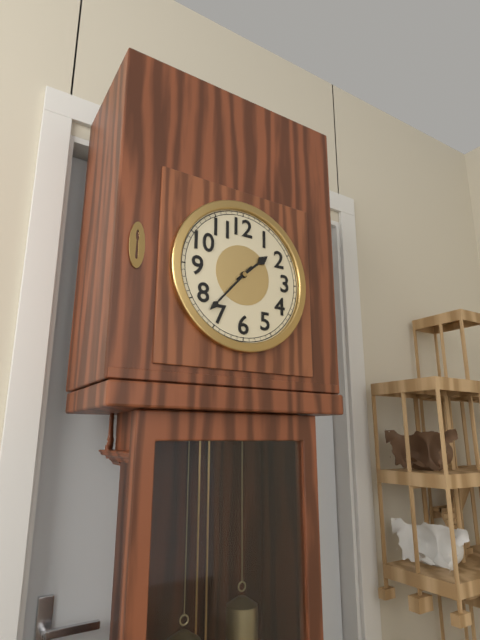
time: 1:37
